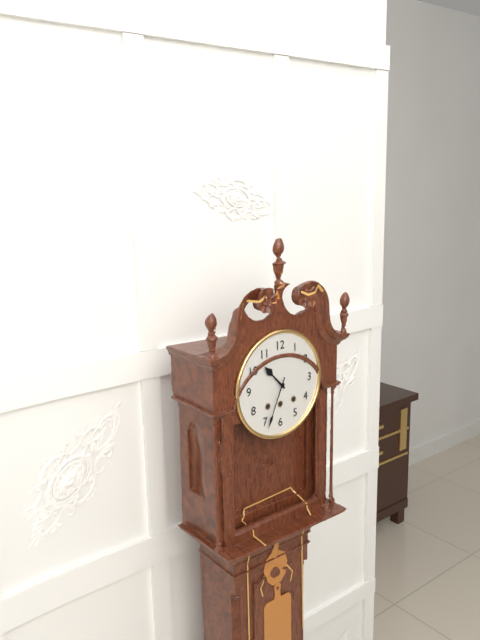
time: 10:34
